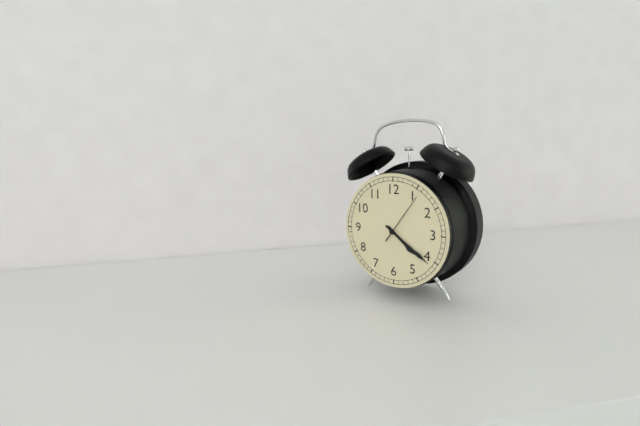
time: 4:21:06
